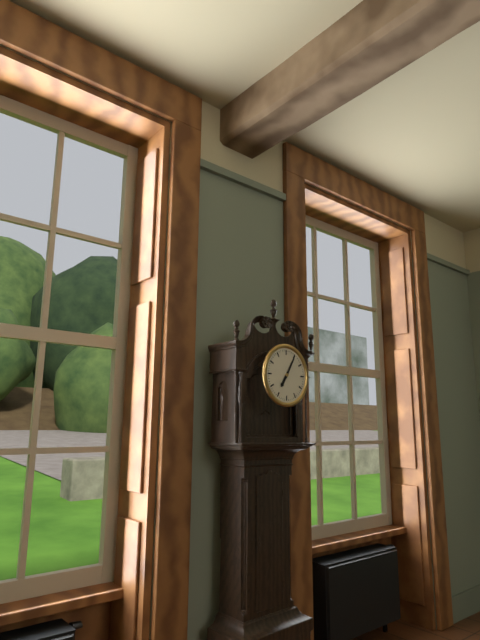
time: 7:05
